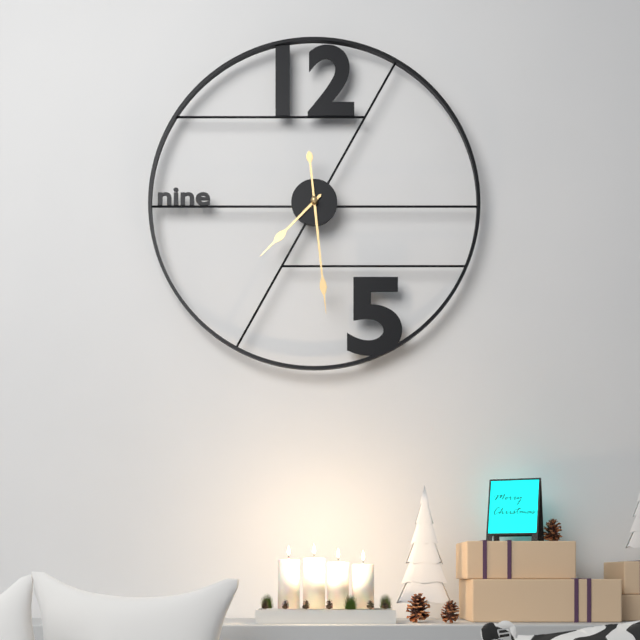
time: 7:29
